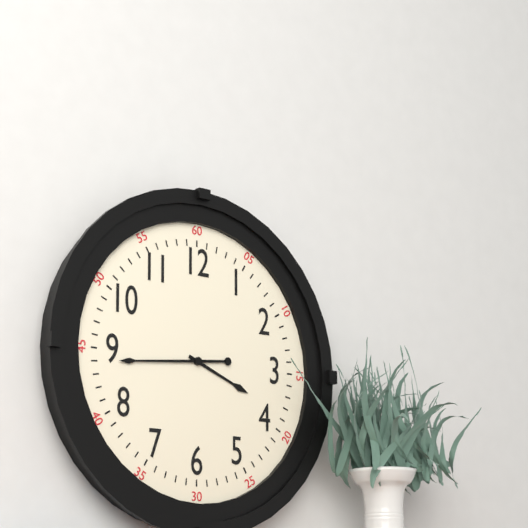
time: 3:44
